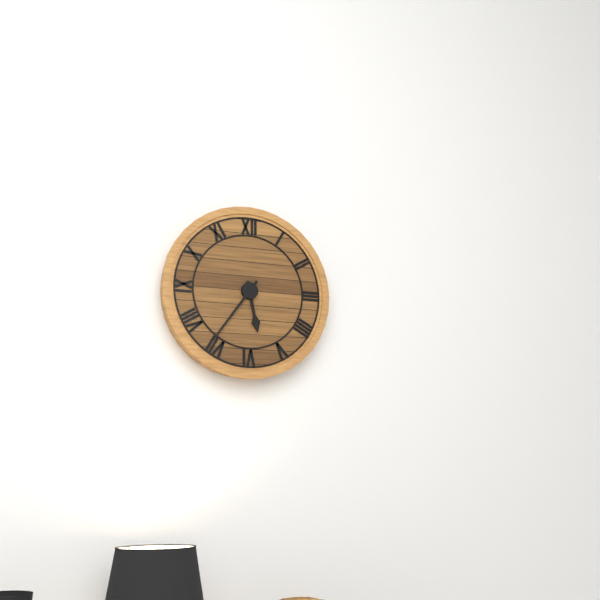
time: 5:36
